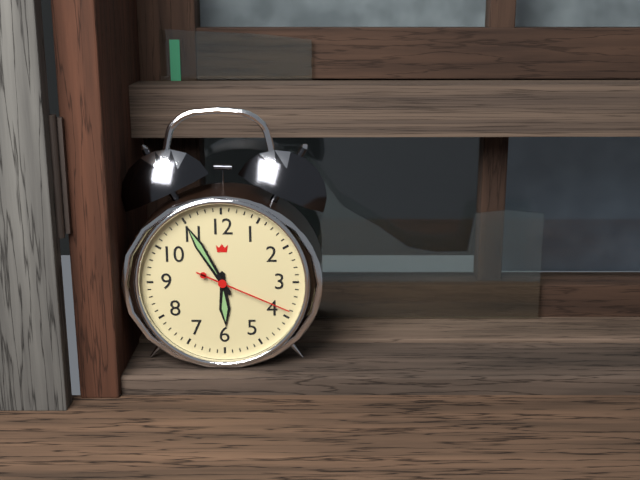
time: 5:55:19
